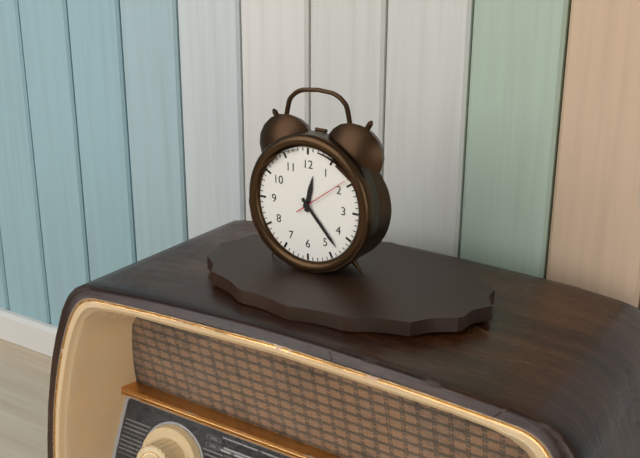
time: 12:23:09
